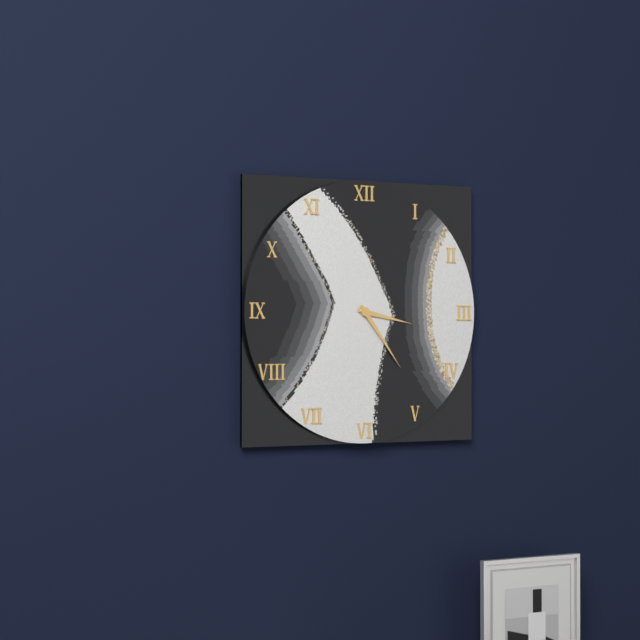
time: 3:24
